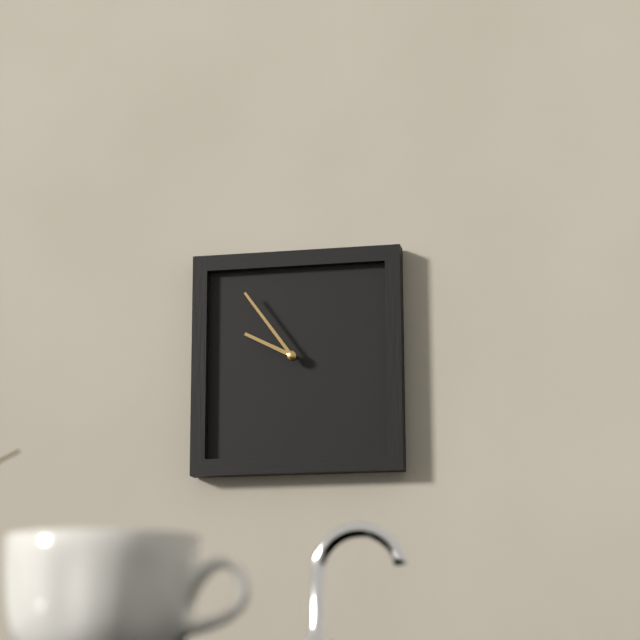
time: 9:54
